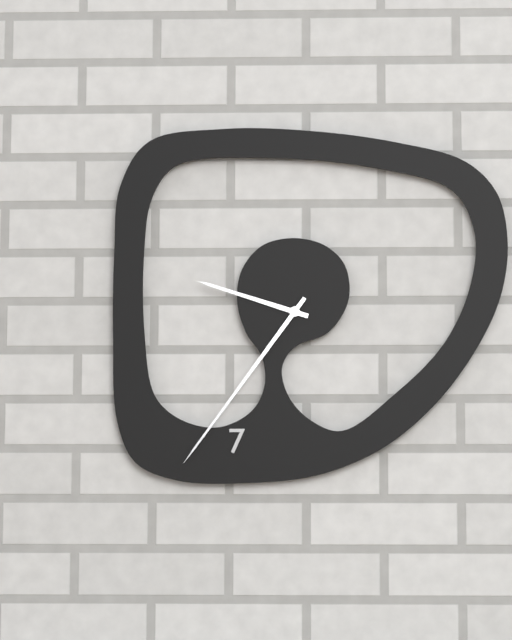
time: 9:36
